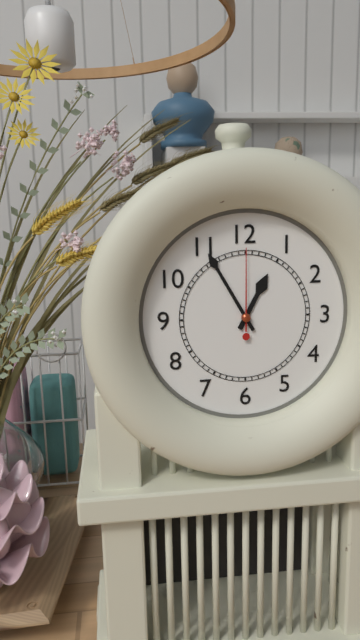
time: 12:55:00
